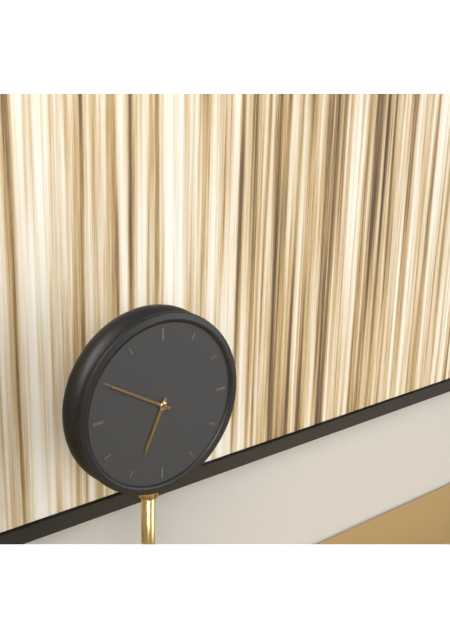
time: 6:50
